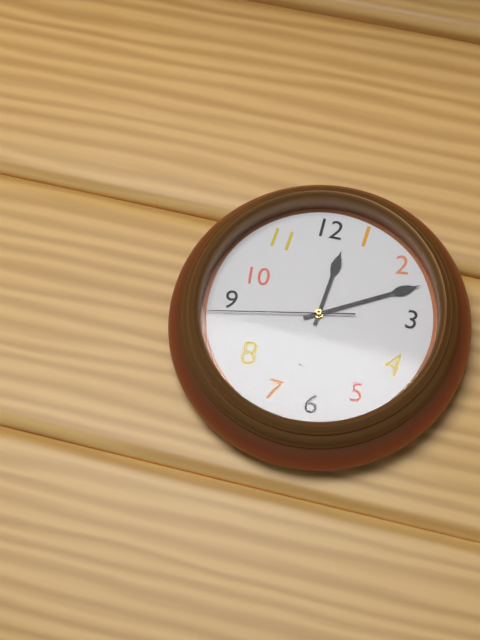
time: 12:10:43
